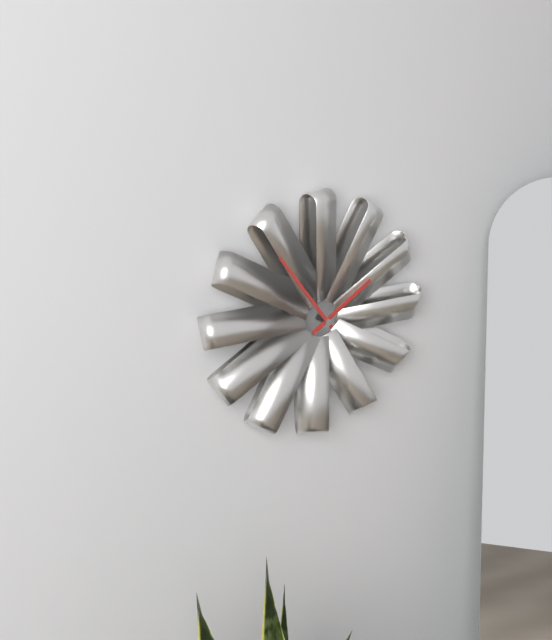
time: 1:54
